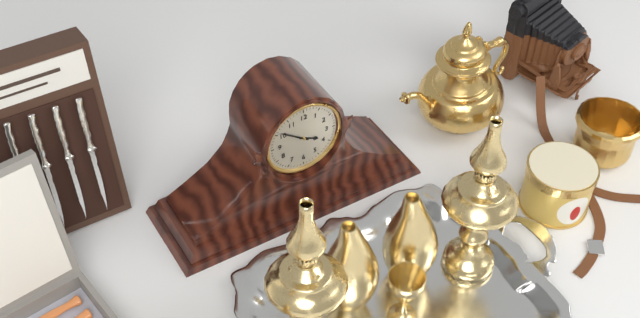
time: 3:51
